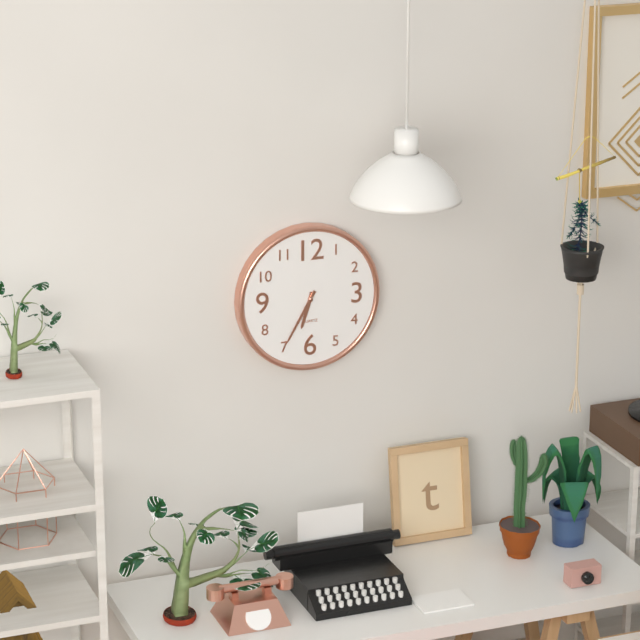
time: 6:35
